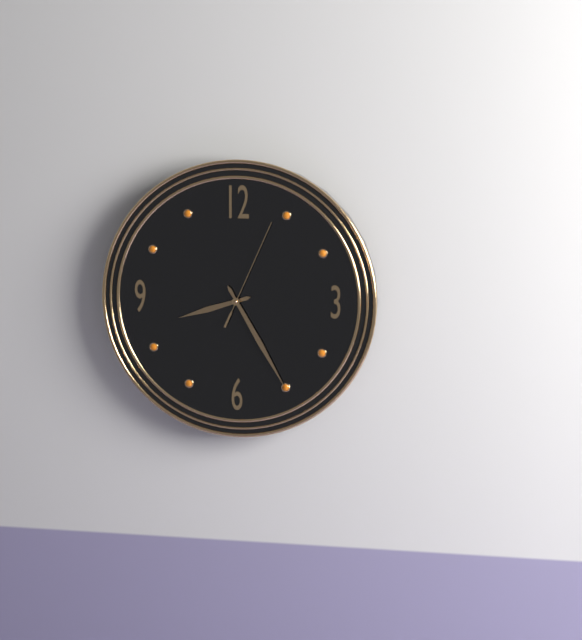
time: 8:25:04
